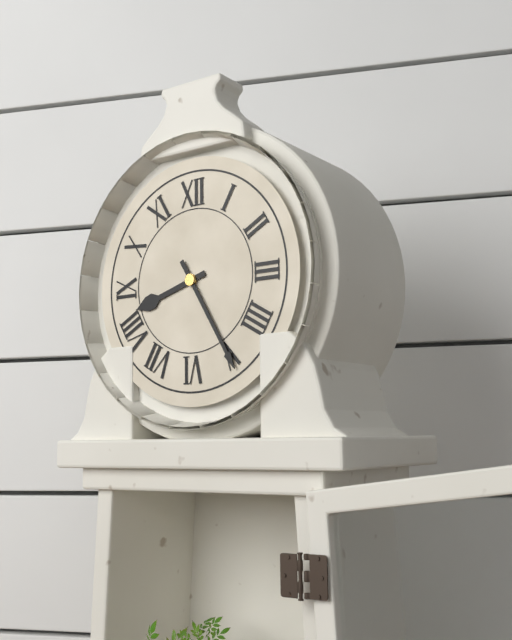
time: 8:25
